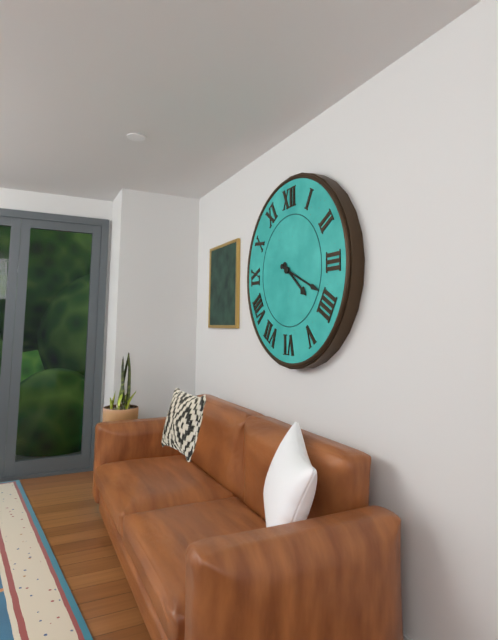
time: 4:19
